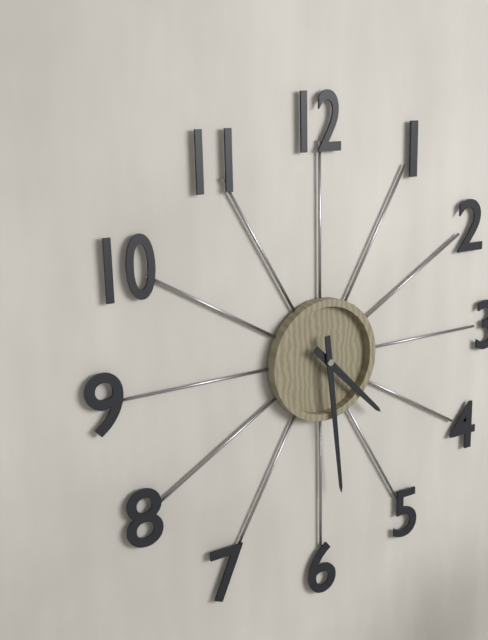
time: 4:29
